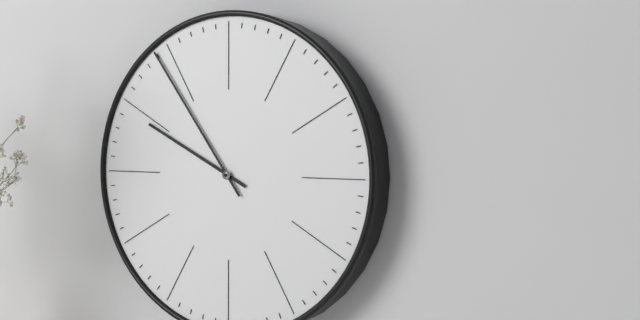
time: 9:54
